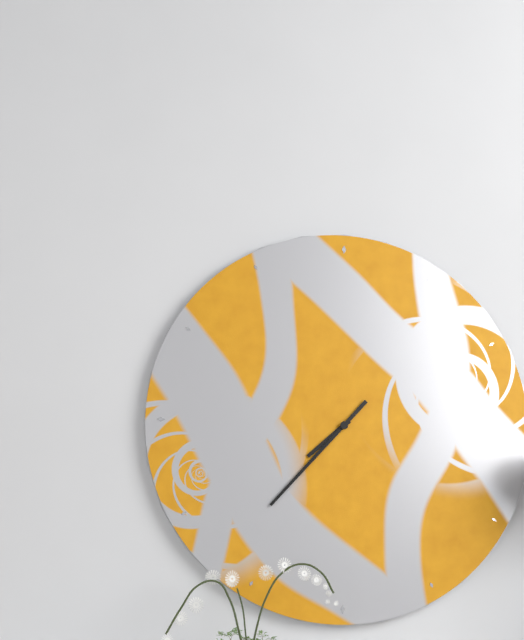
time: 7:37
